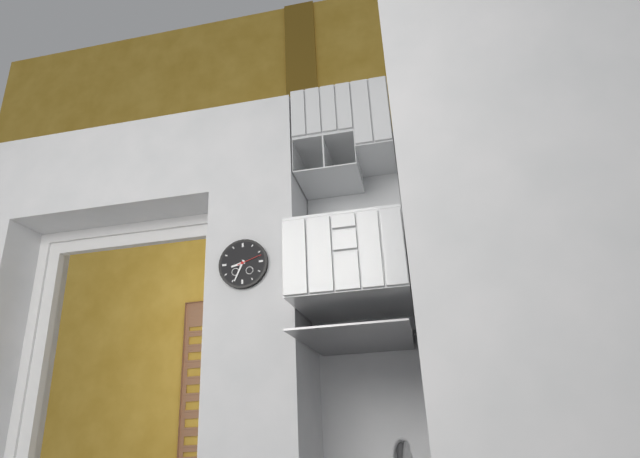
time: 8:34
